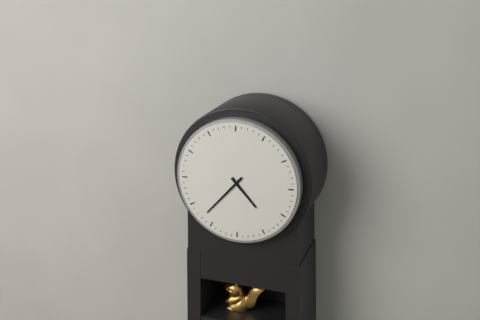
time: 4:37
